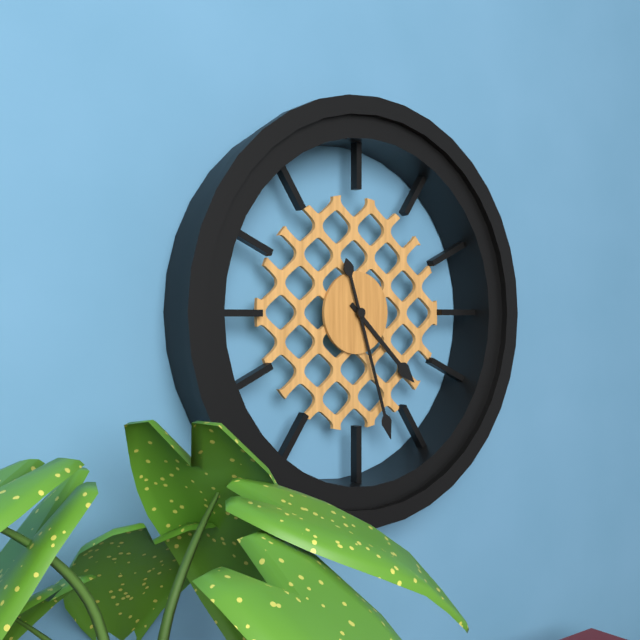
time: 4:27
